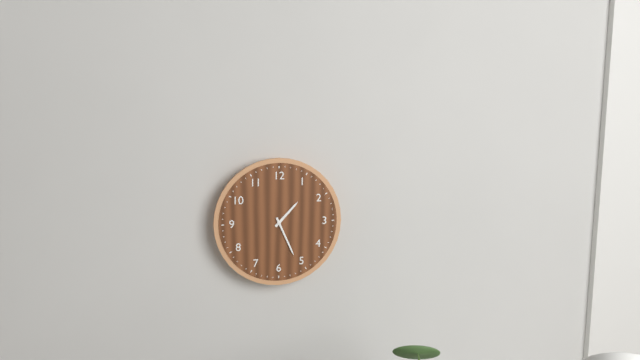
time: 1:26
